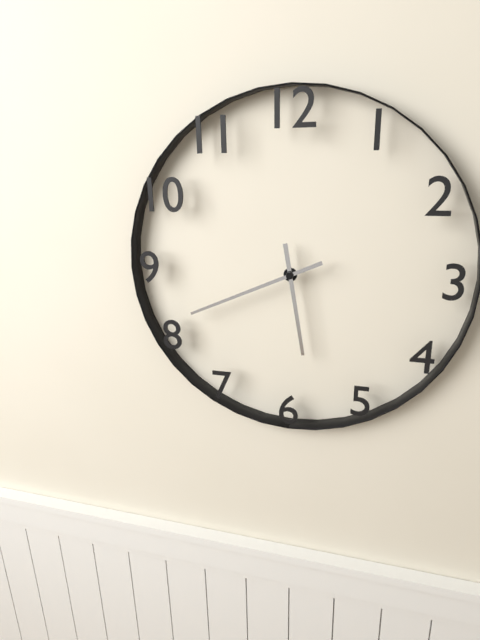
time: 5:41
